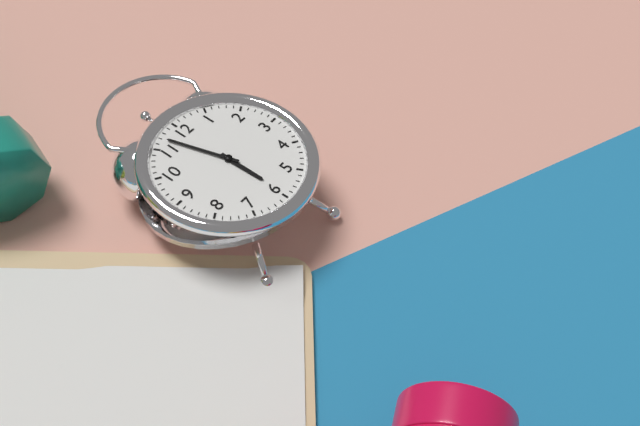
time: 5:57
